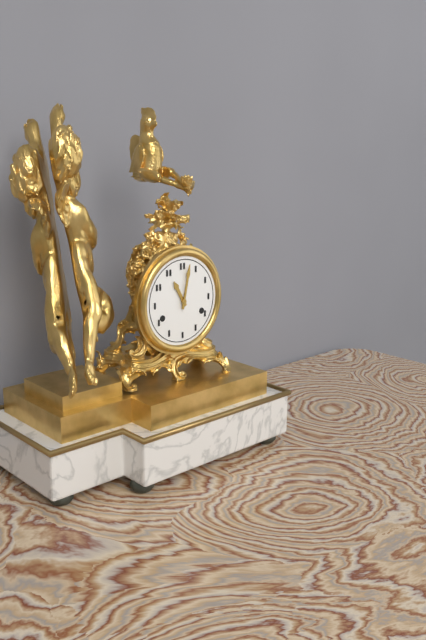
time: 11:02
